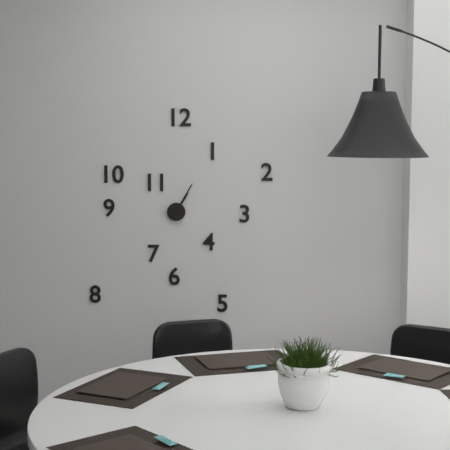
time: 1:05
